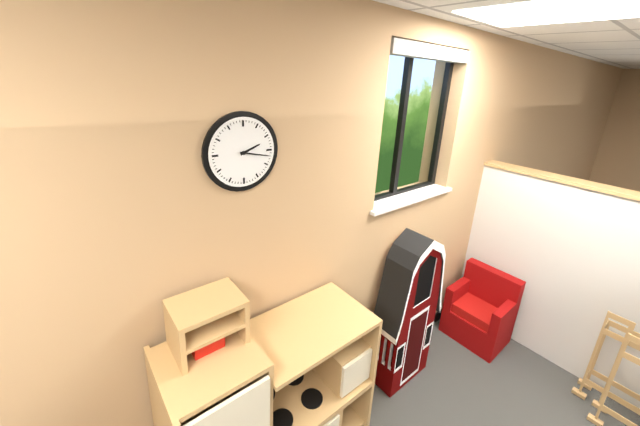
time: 2:17
